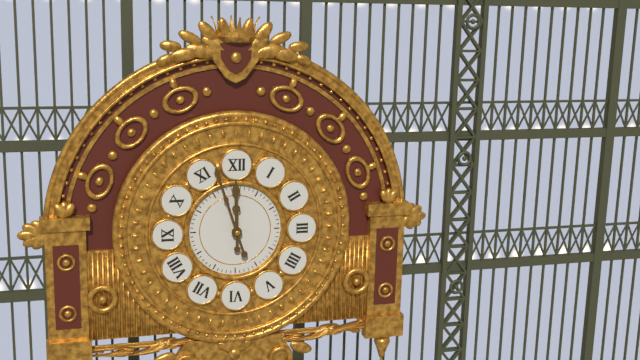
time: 11:57
